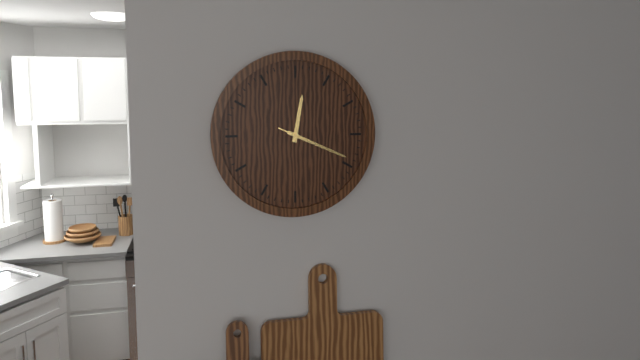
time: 12:19:19
